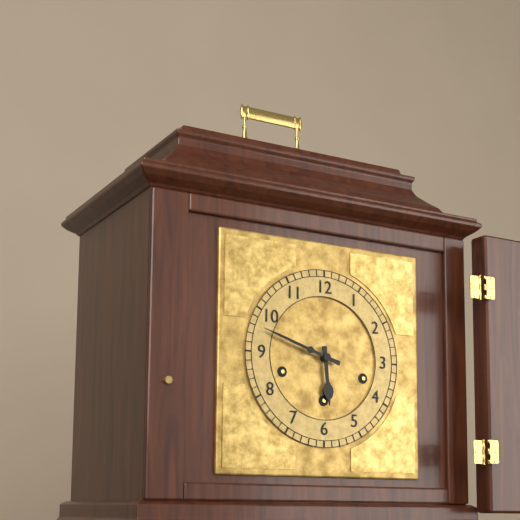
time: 5:48
